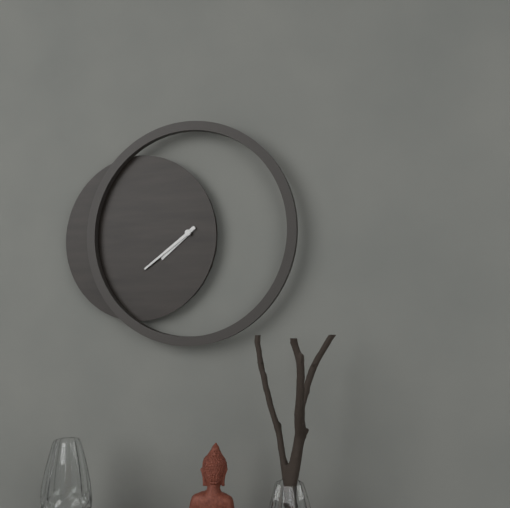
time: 7:39
